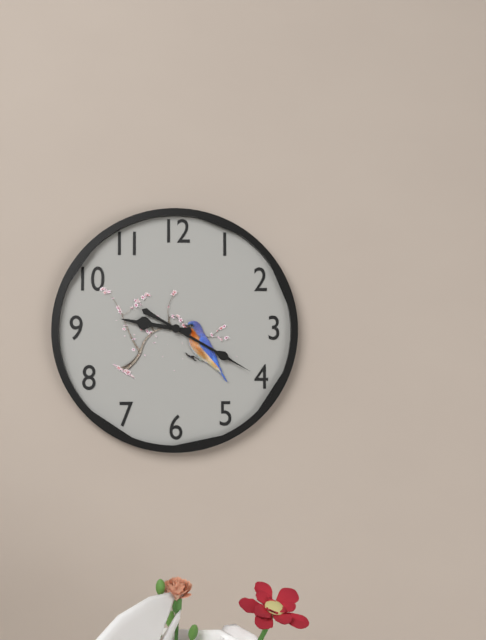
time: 9:20
